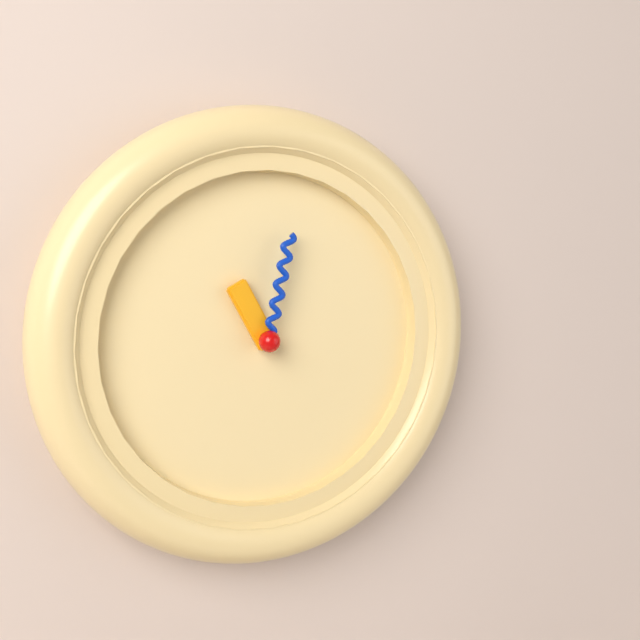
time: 11:02
